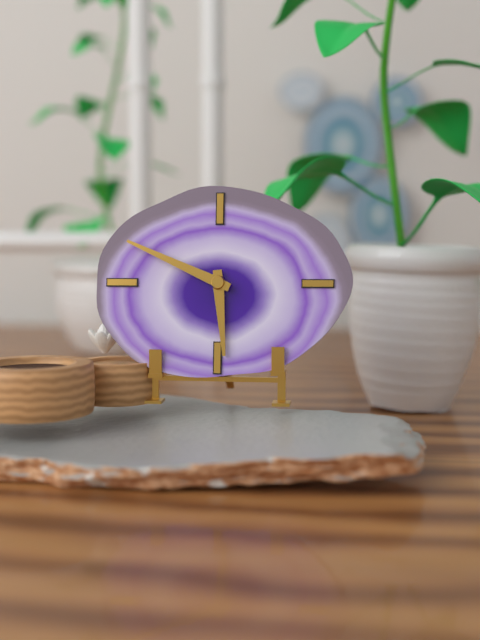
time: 5:49
